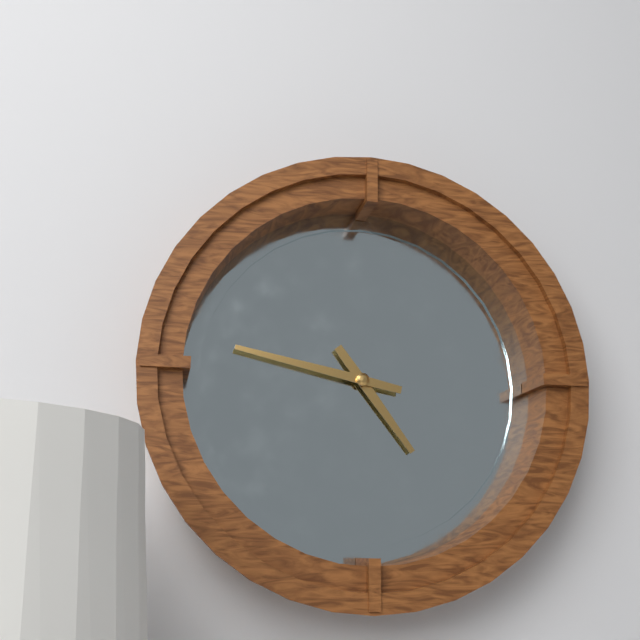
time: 4:47
